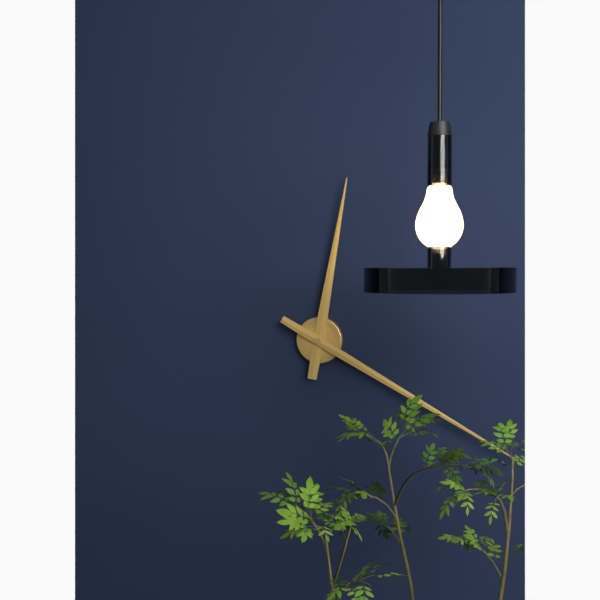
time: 12:20
